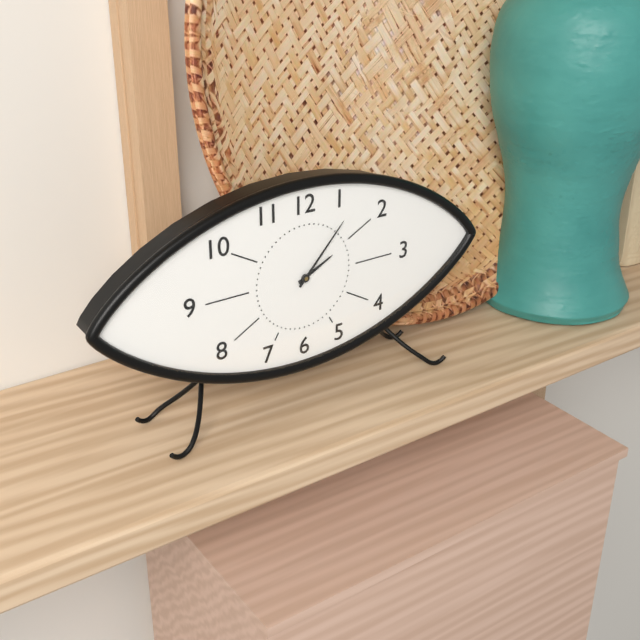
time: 2:07
